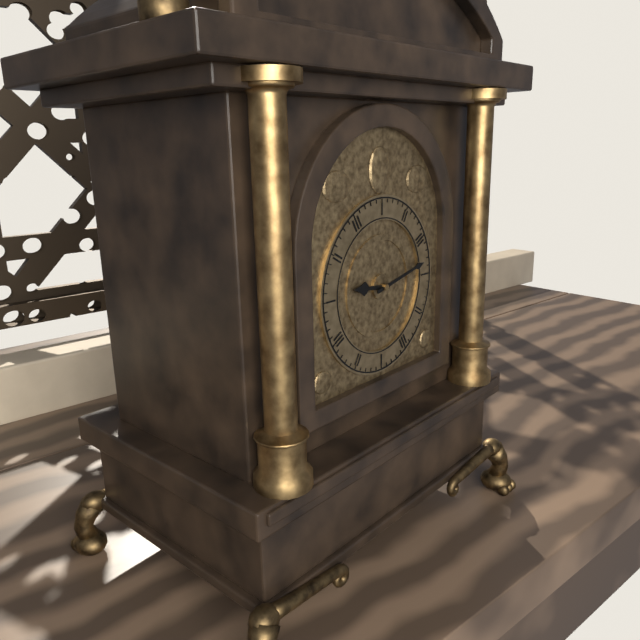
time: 9:13
